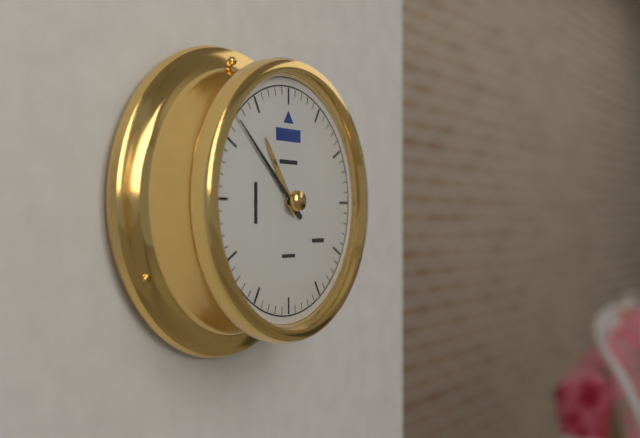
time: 10:52
